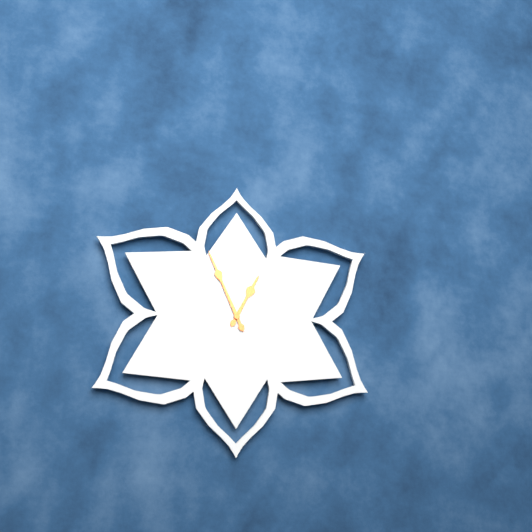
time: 12:56
